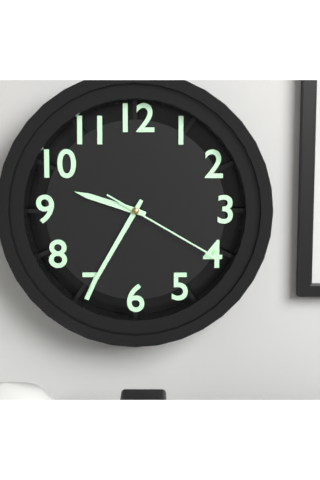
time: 9:35:20
